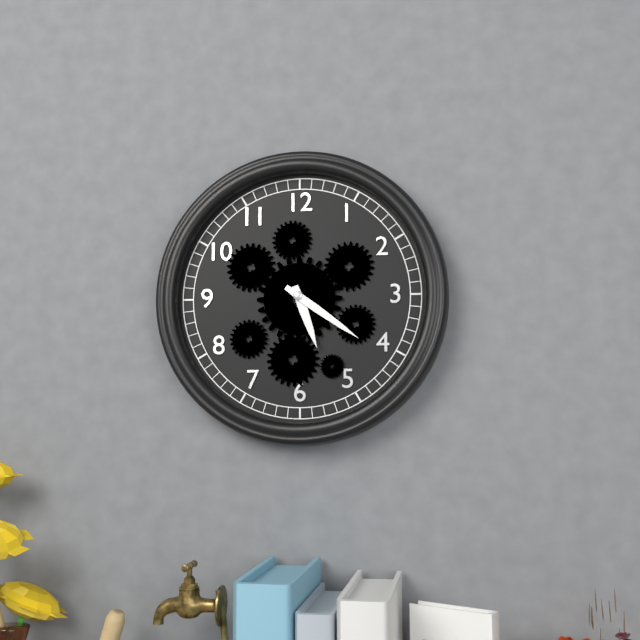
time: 5:21
